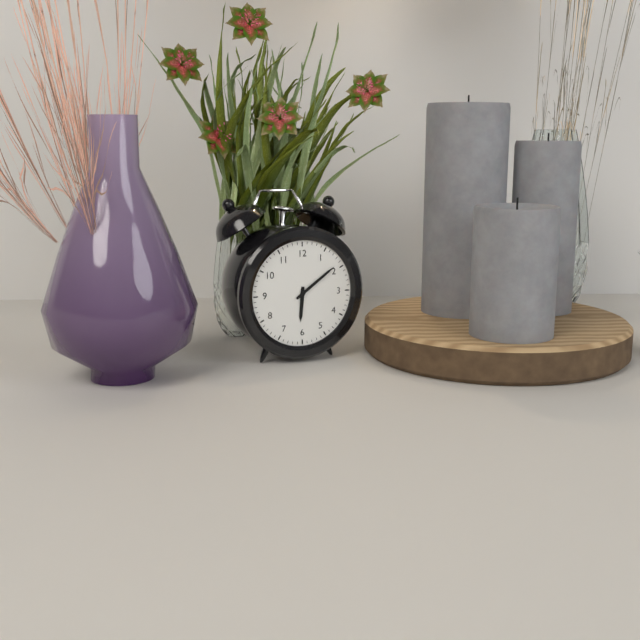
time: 6:09
